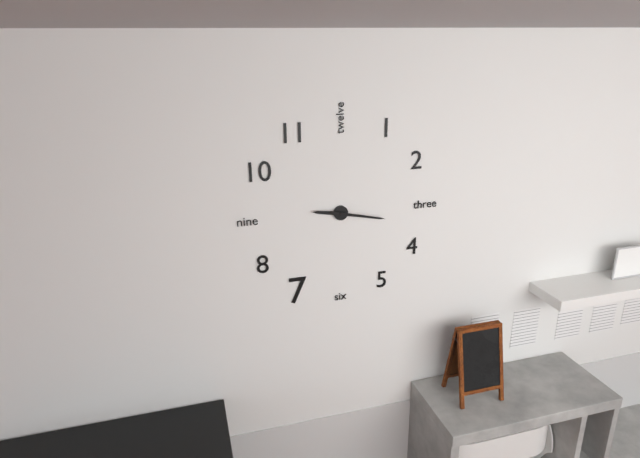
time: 9:17
